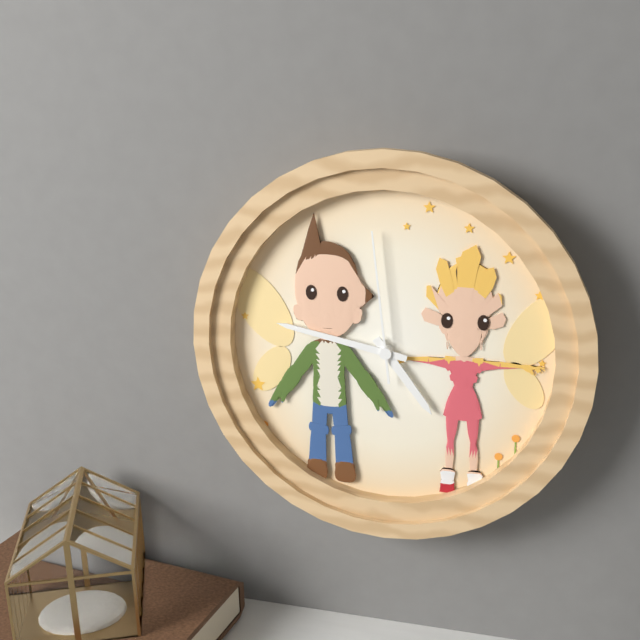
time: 4:47:59
